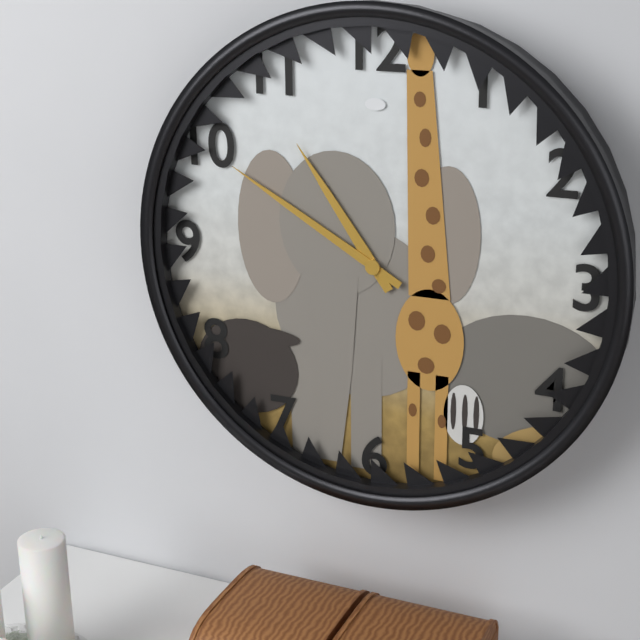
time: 10:50
